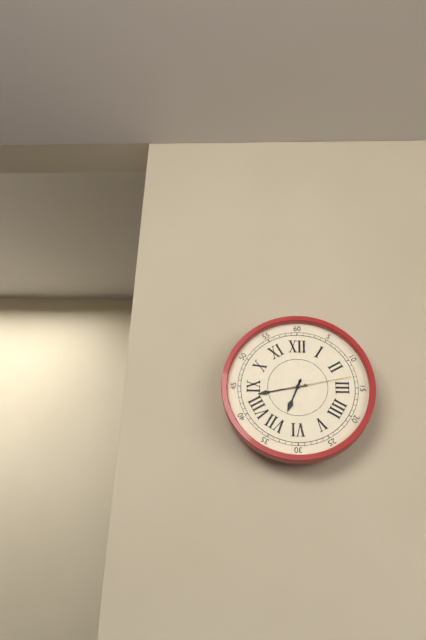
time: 6:43:13
